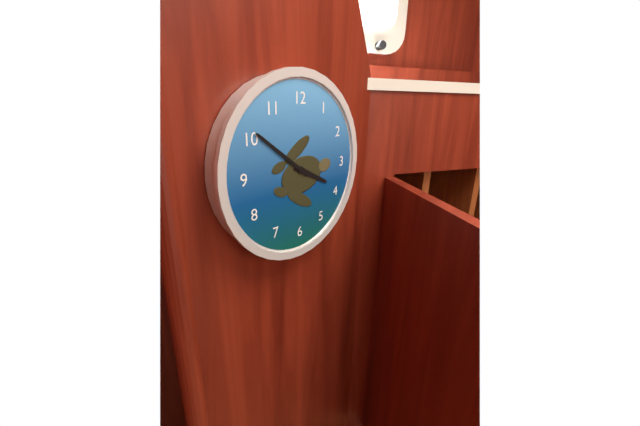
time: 3:51
